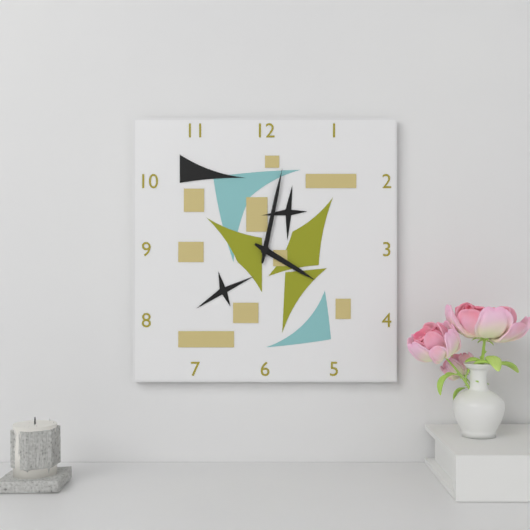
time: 4:02
